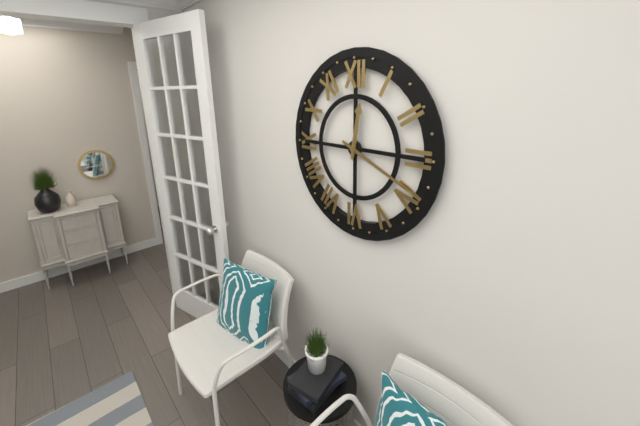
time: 12:19
